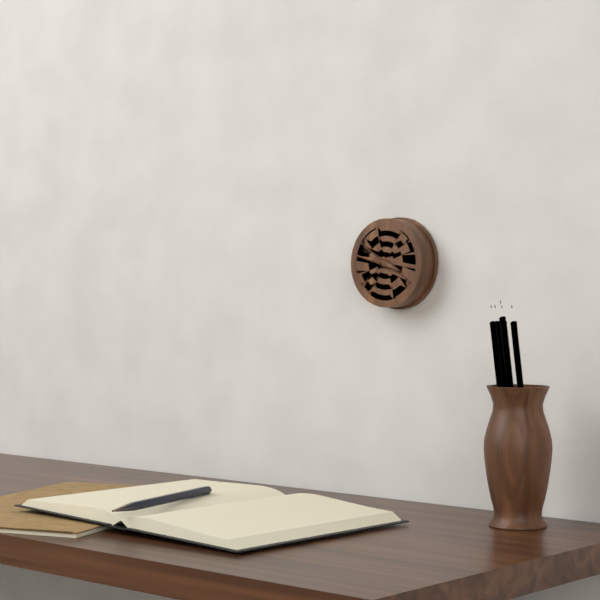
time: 3:47
